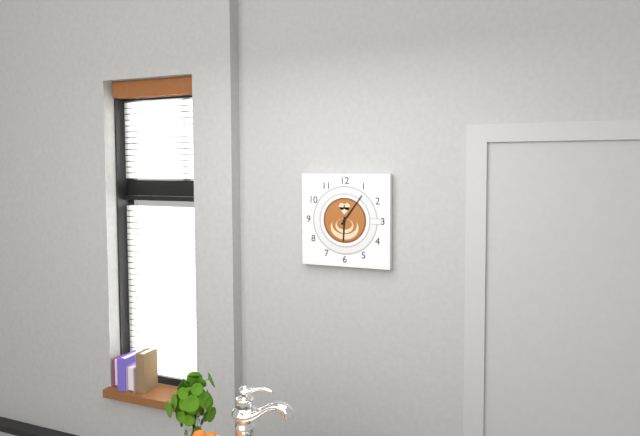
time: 6:06
